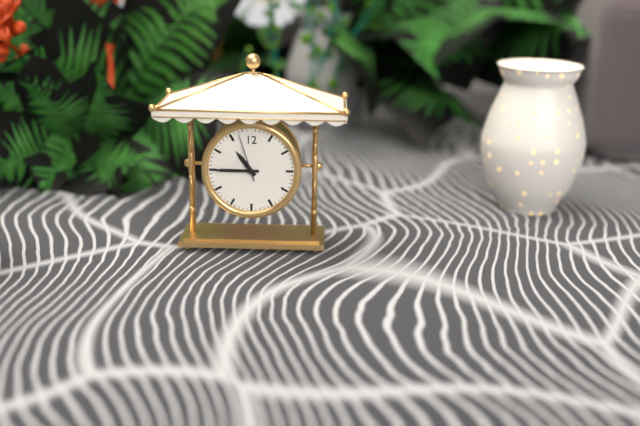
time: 10:45
